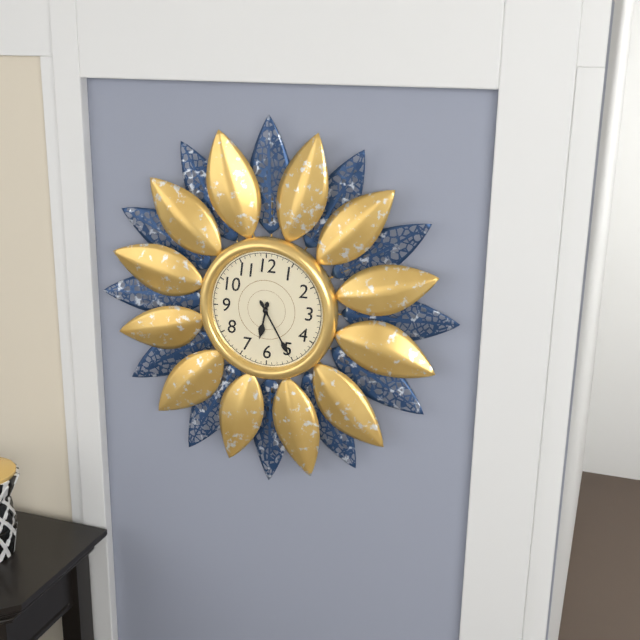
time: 6:25
